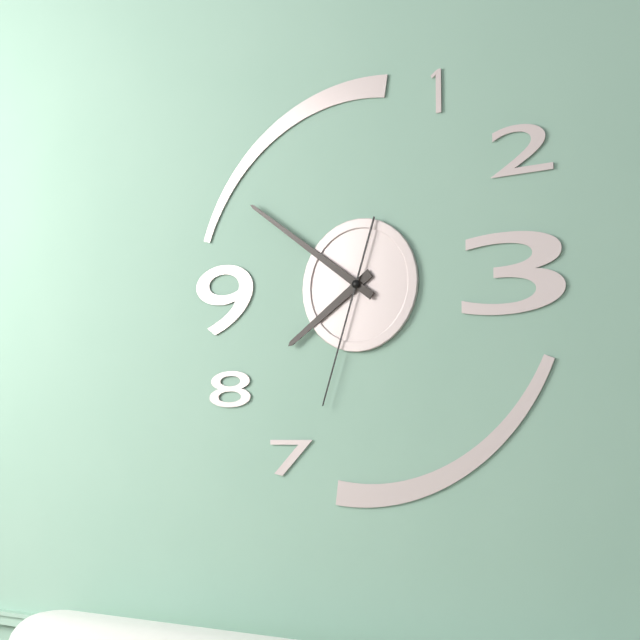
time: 7:51:33
